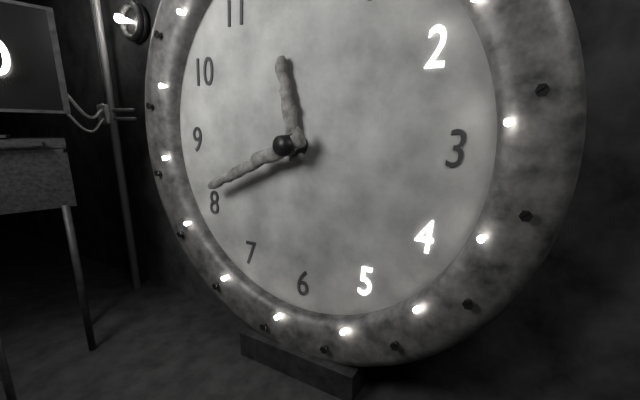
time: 11:41
